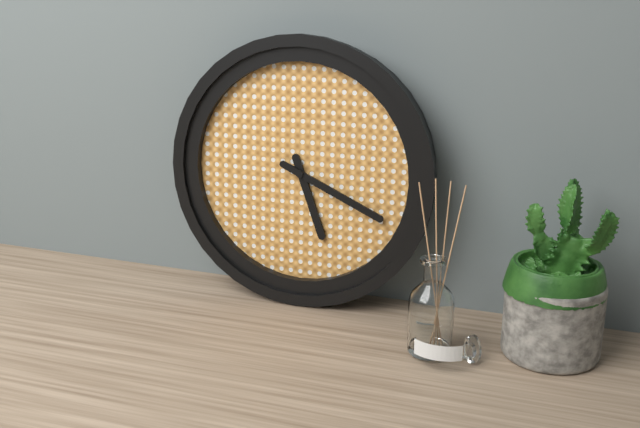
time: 5:19
